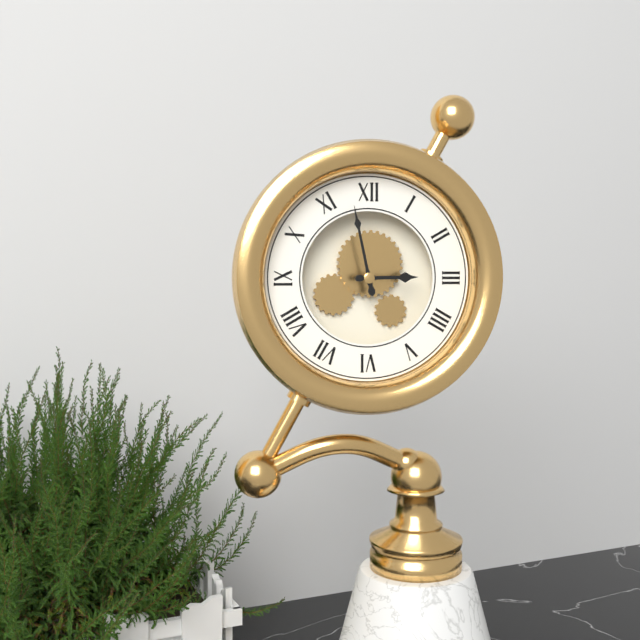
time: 2:58
